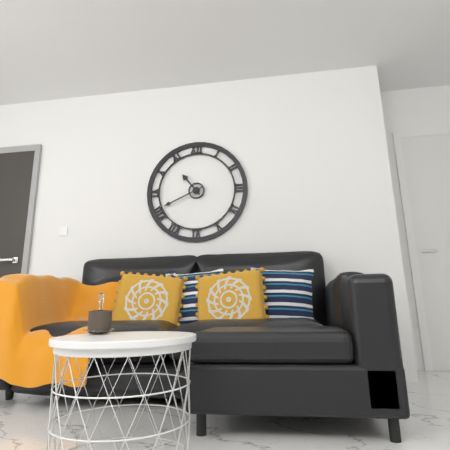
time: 10:41
